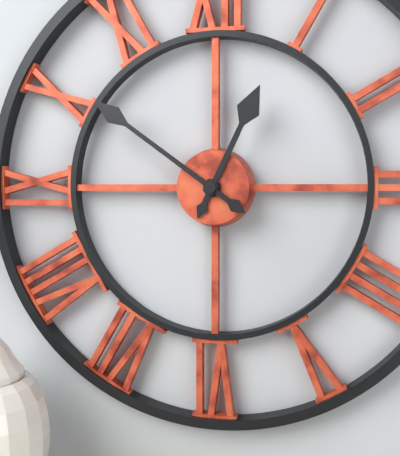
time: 12:51
